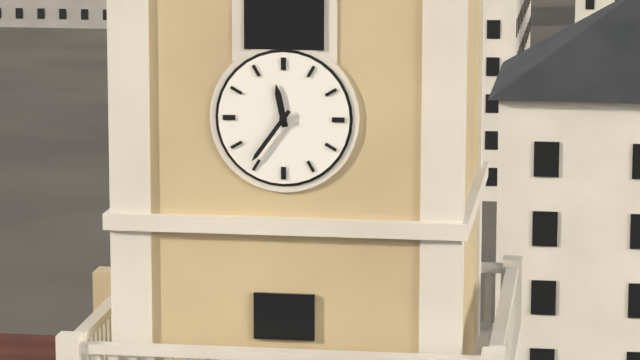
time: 11:36
